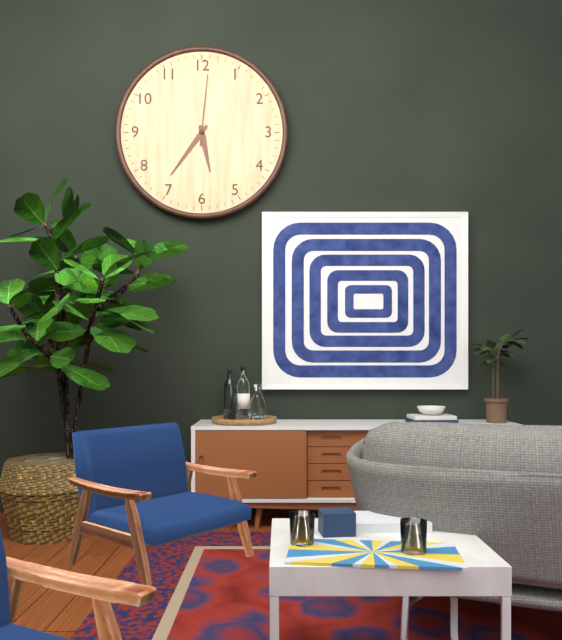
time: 5:36:01
